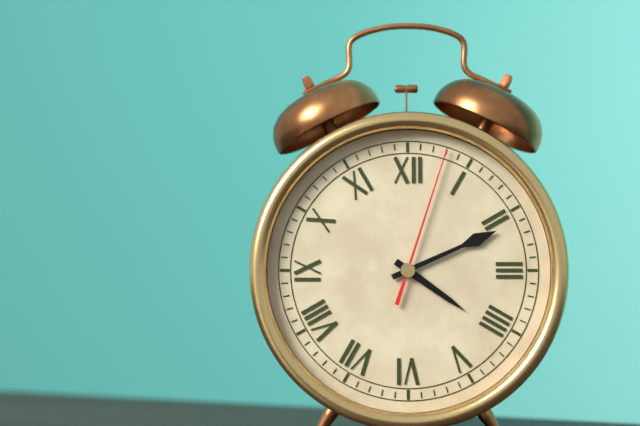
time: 4:11:03
